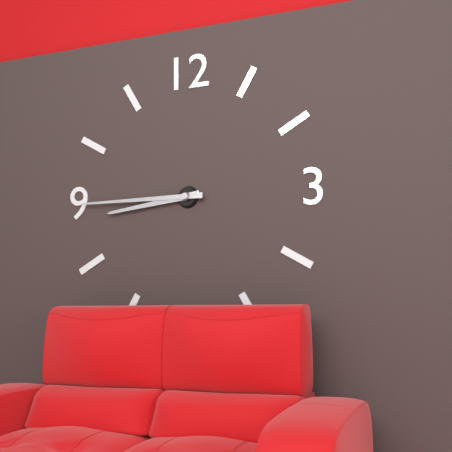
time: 8:45
